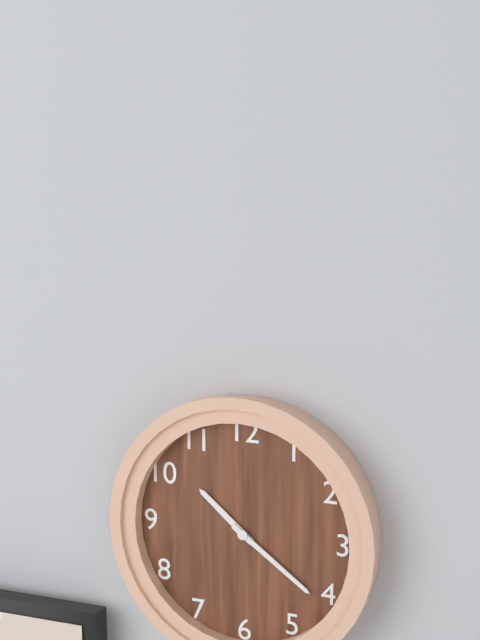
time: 10:21
